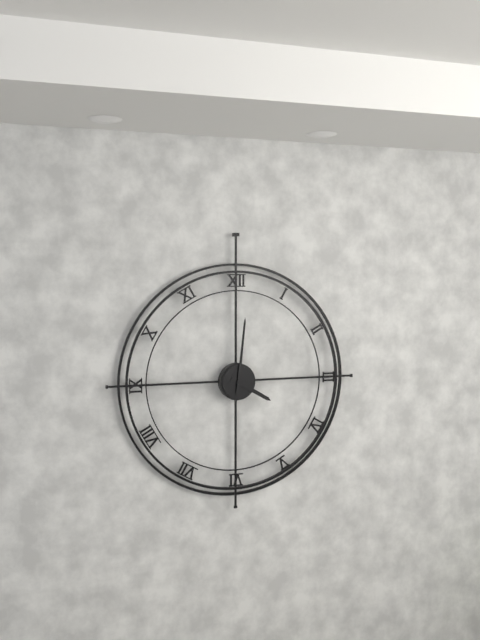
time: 4:01
